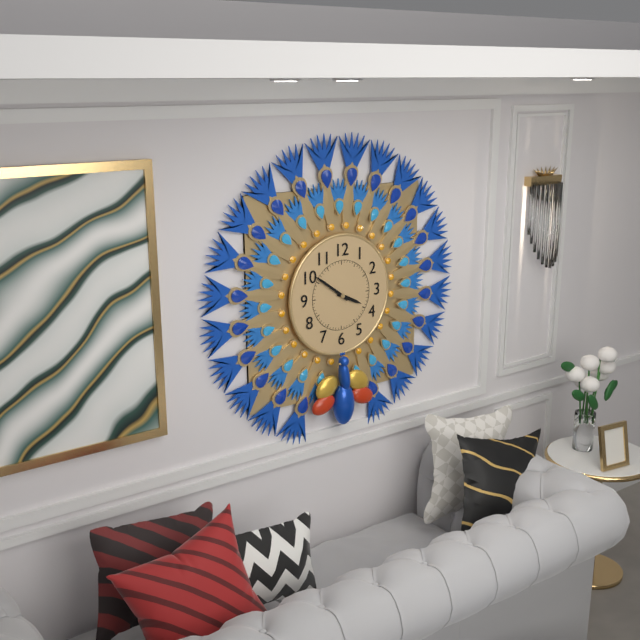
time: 3:51
